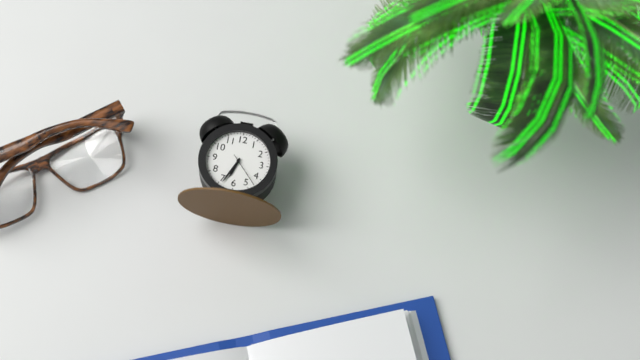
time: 6:34
